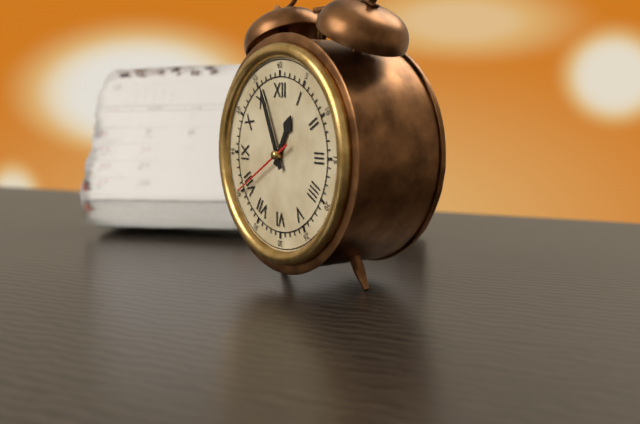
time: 12:56:40
